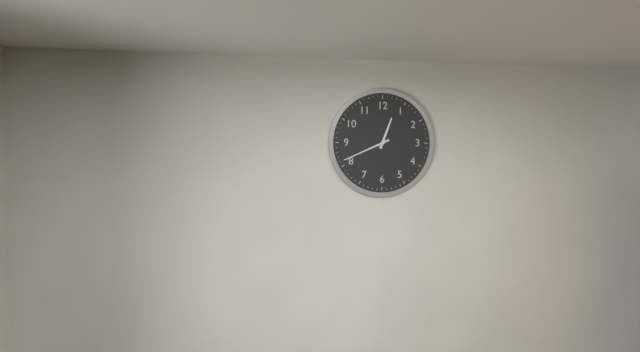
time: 12:41
